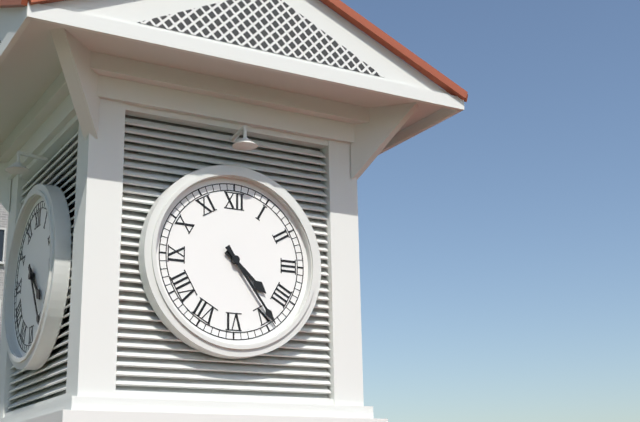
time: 4:24
